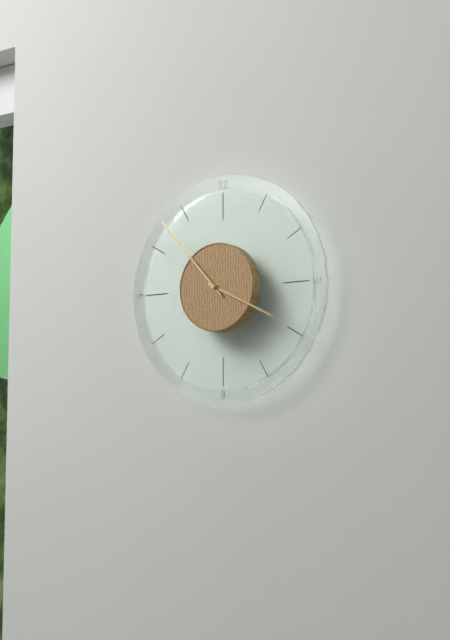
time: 3:53
